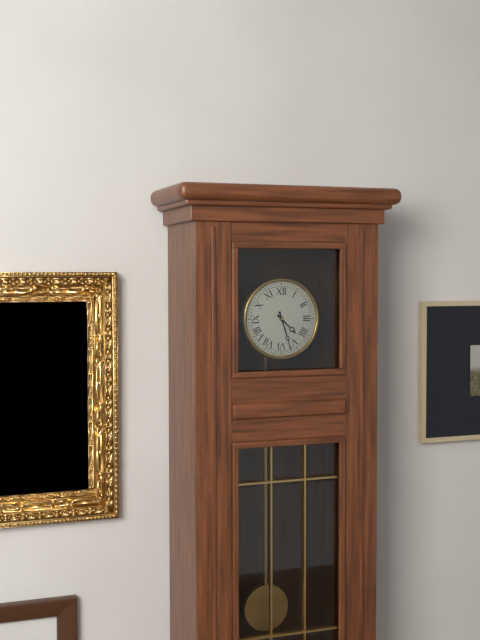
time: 4:27
